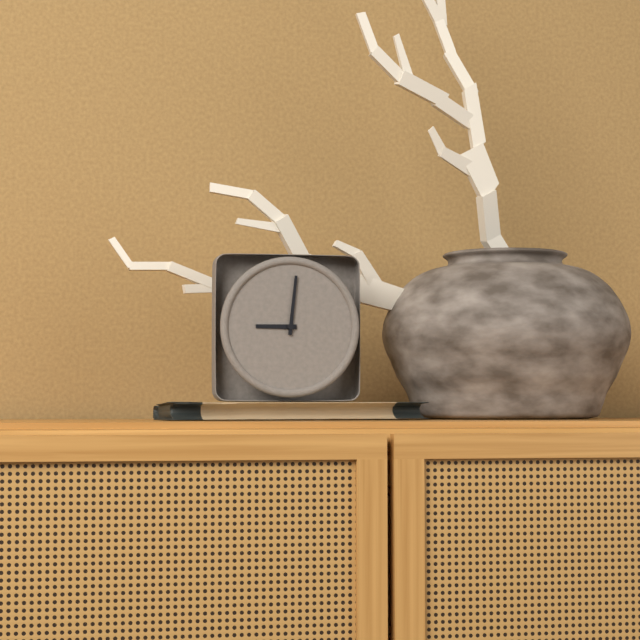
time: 9:01
